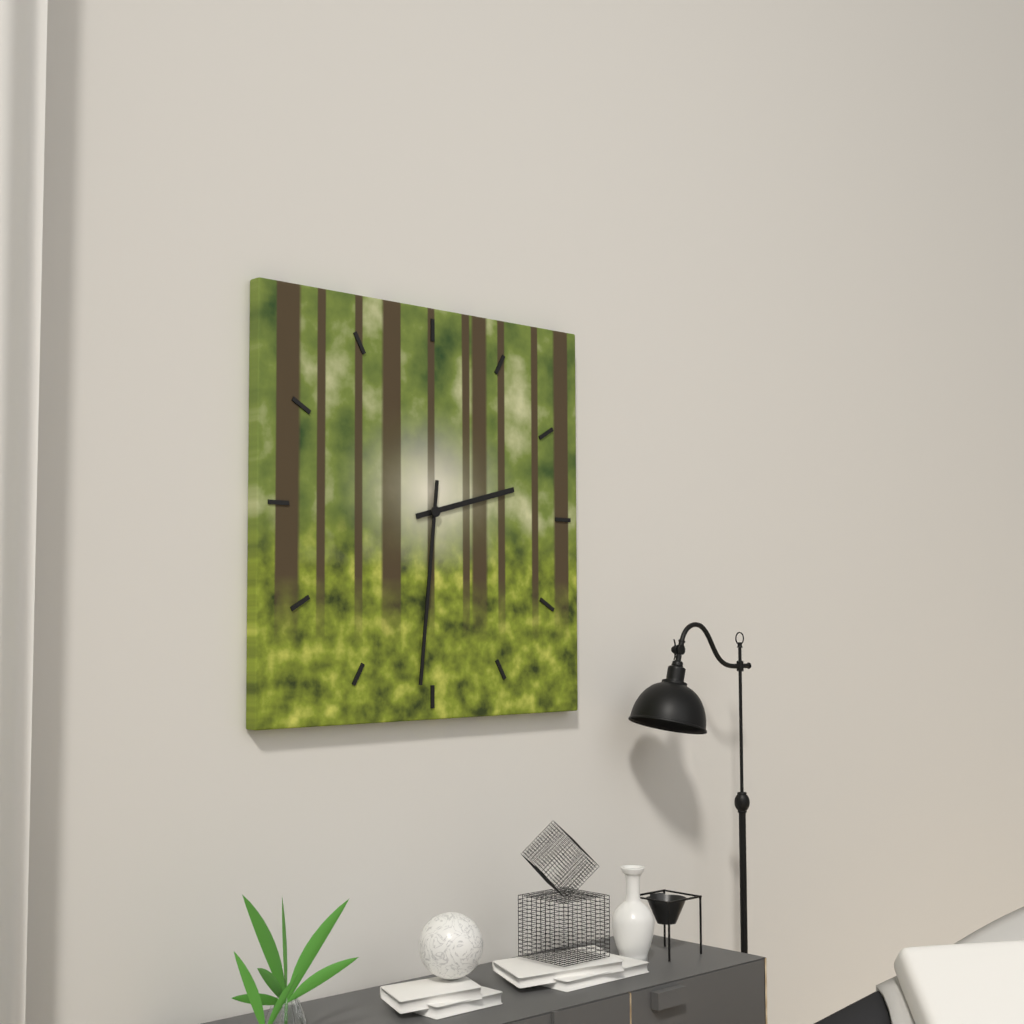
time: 2:31
